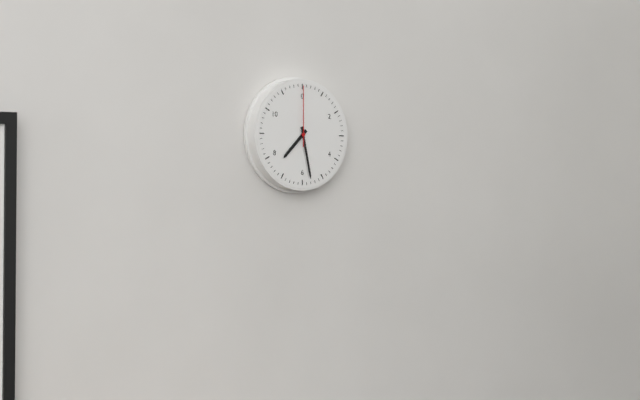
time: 7:28:00
